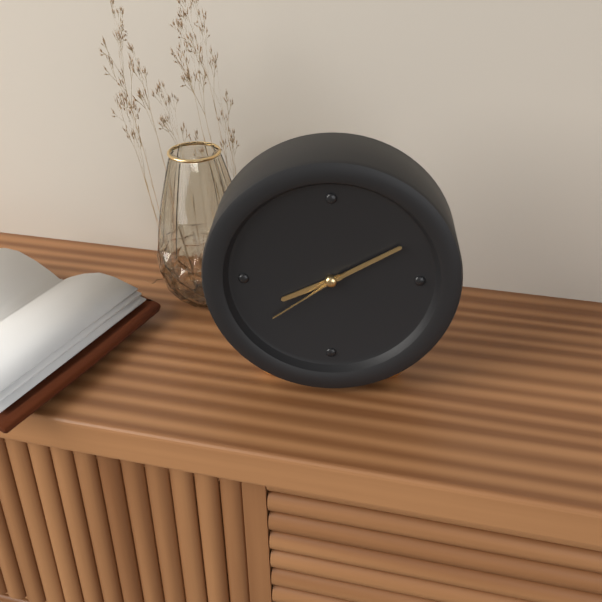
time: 8:10:39
